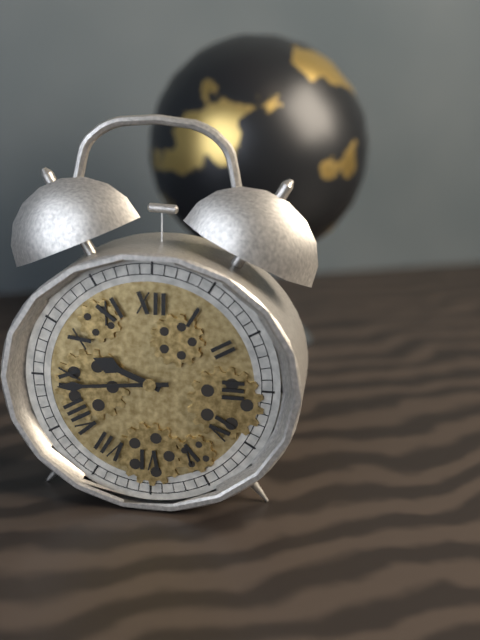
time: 9:44
